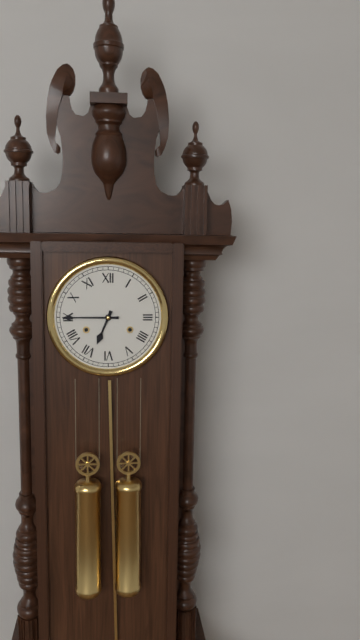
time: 6:45
